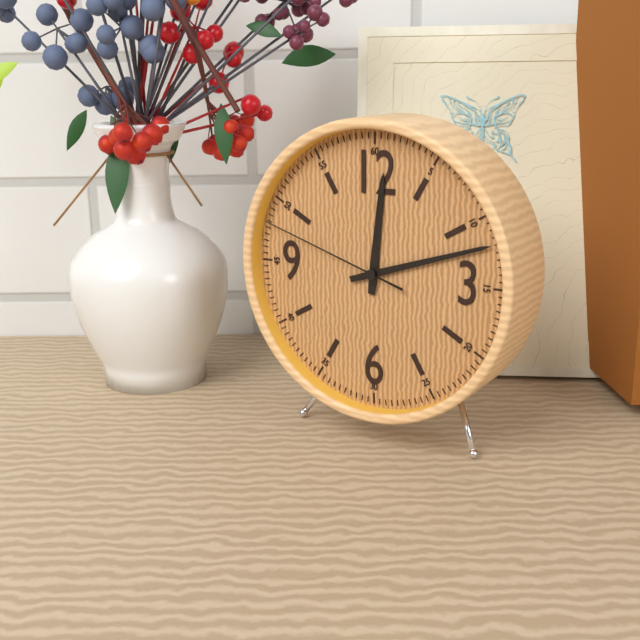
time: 12:12:48
